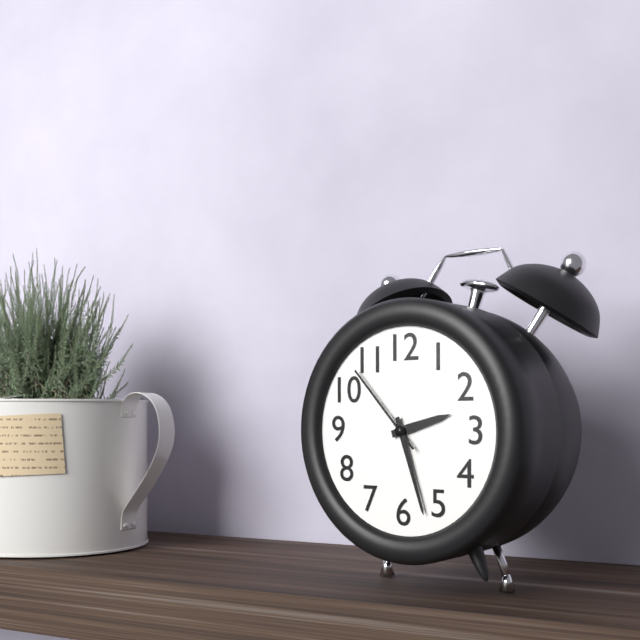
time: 2:27:53
